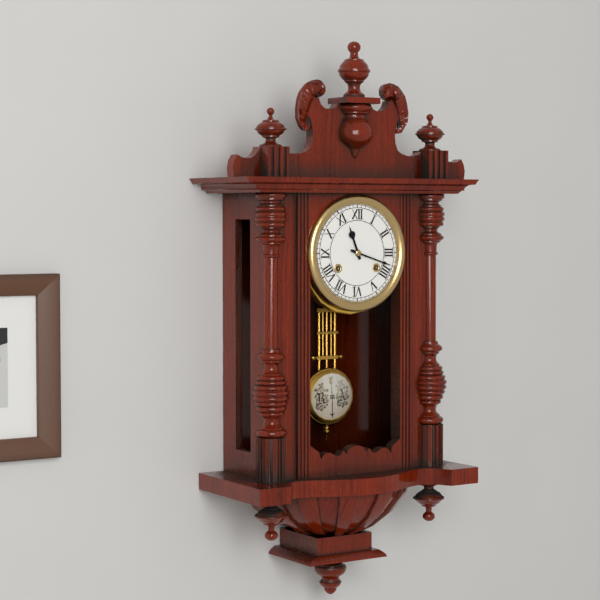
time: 11:18
